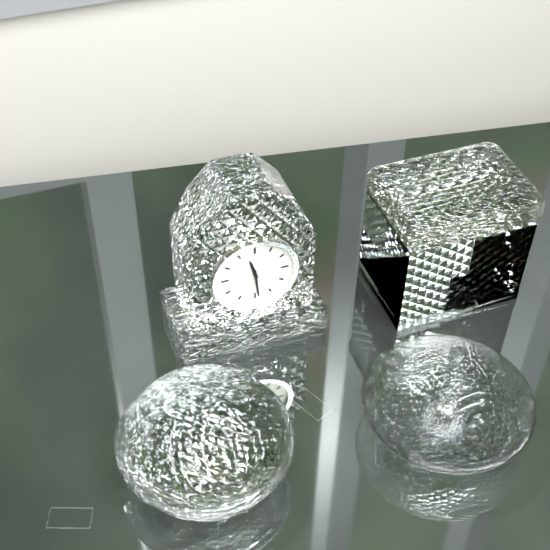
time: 11:29
